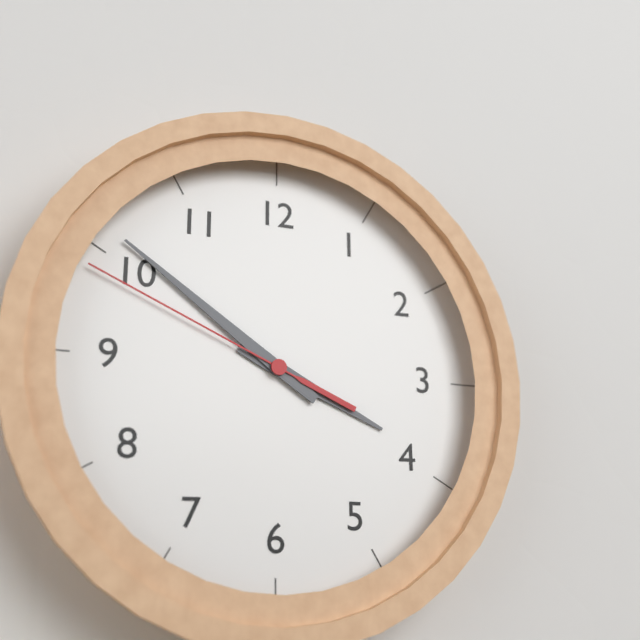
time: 3:51:49
